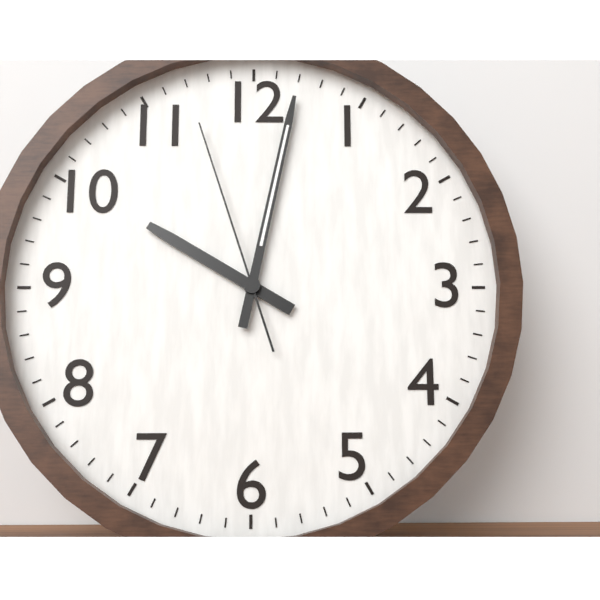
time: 10:02:57
